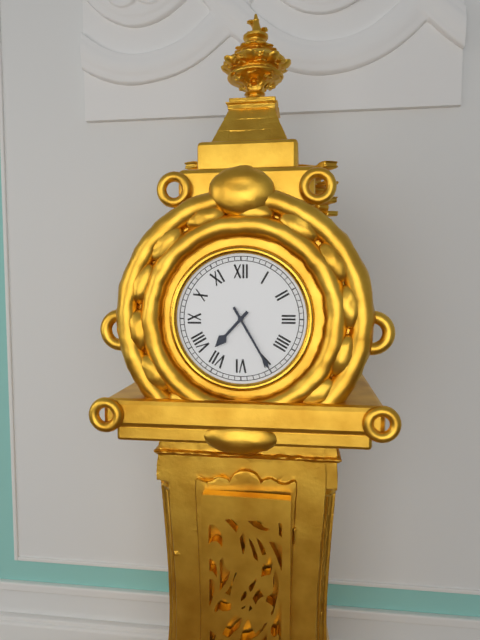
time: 7:25
